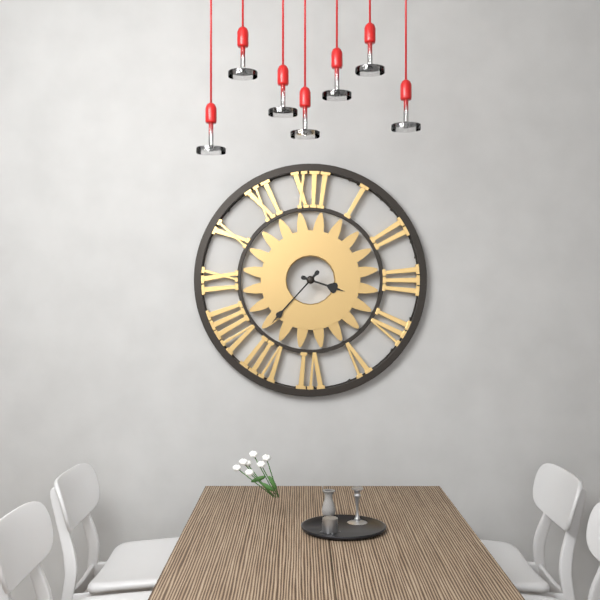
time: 3:37
